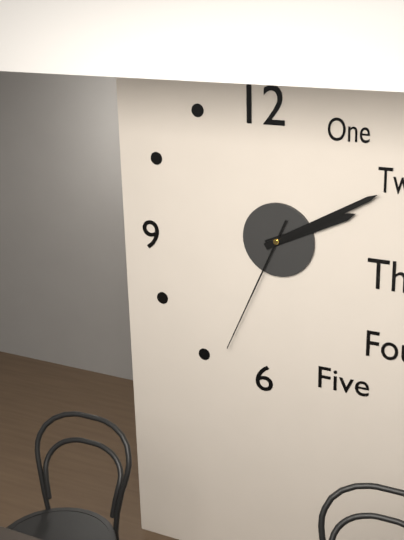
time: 2:10:34
